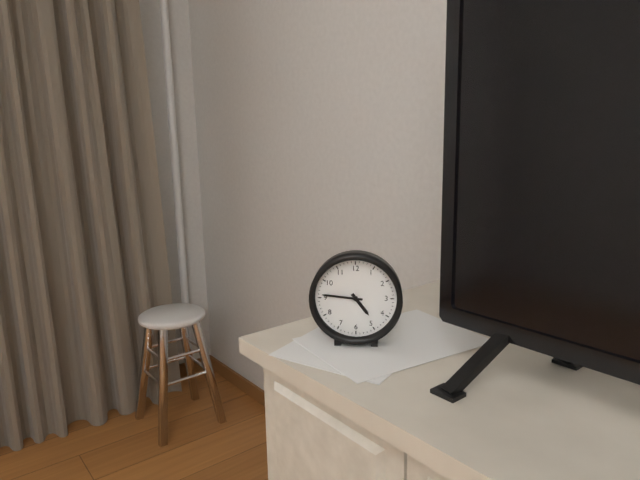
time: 4:46
